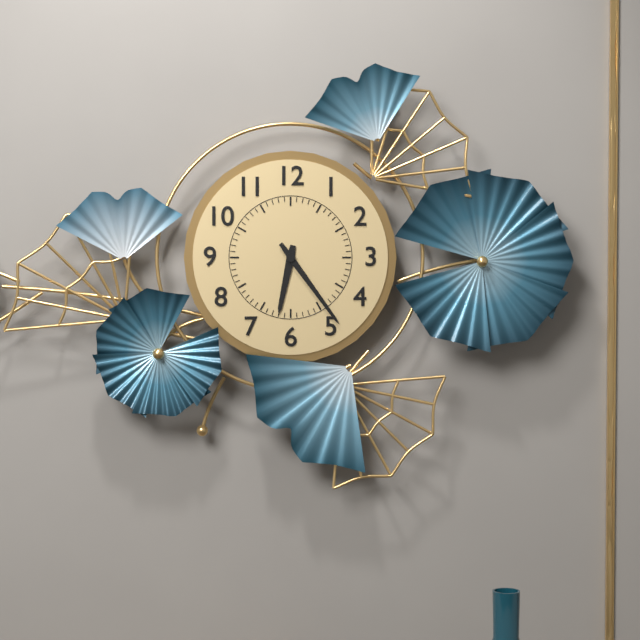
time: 6:24
